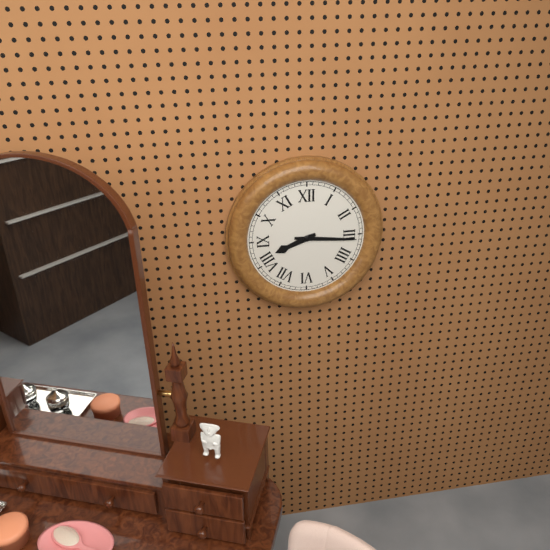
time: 8:16
